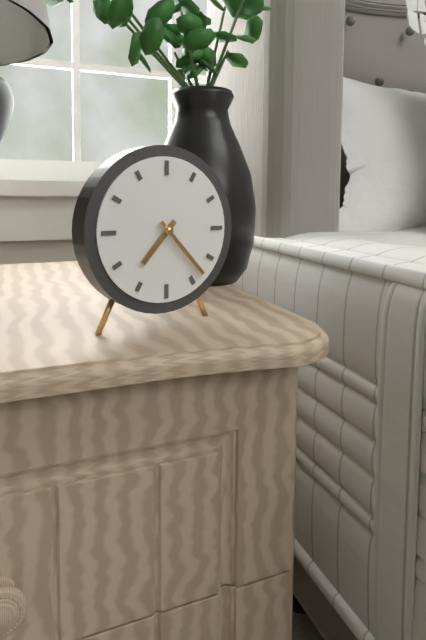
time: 7:23
